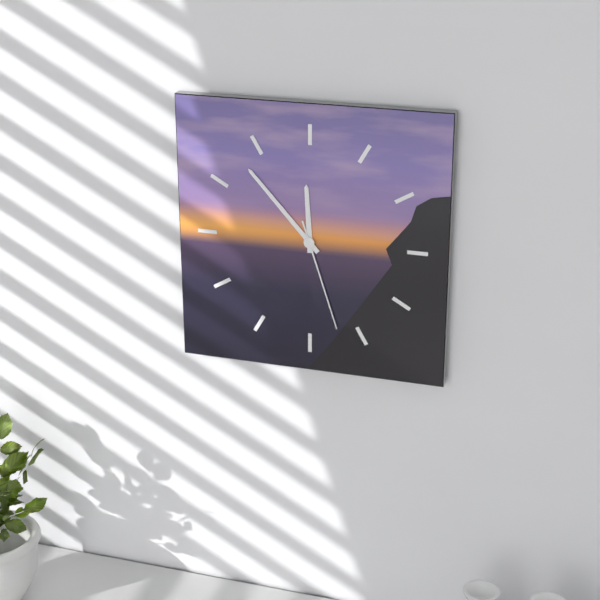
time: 11:53:27
